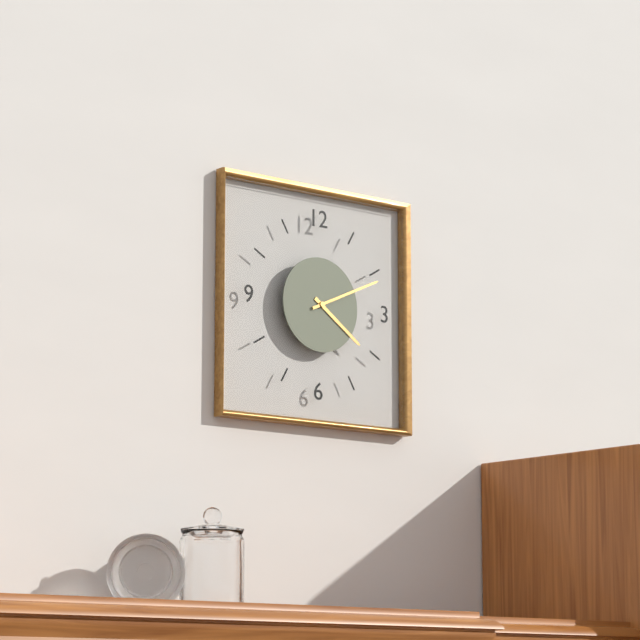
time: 4:11
